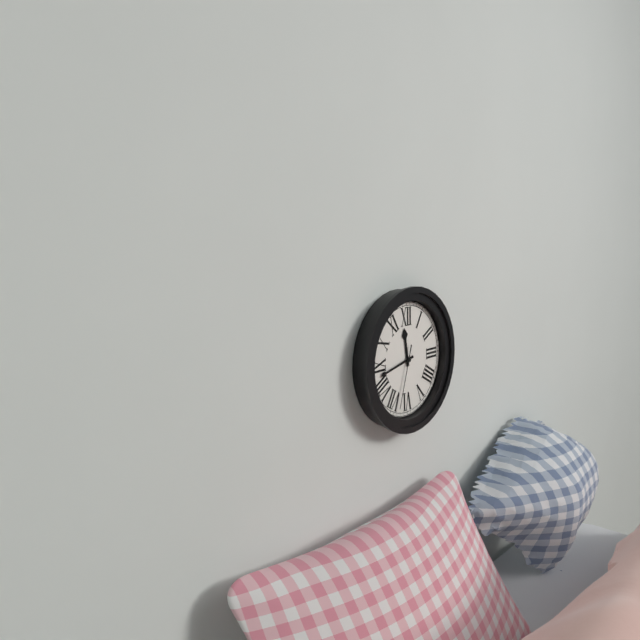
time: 11:43:33
